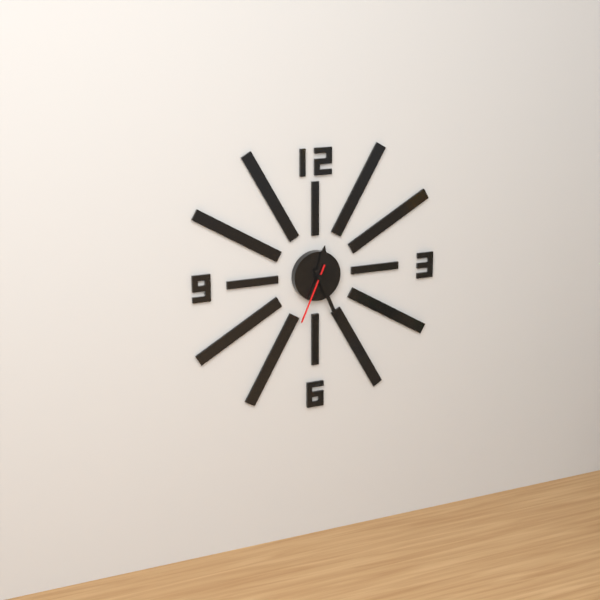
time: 12:26:34
